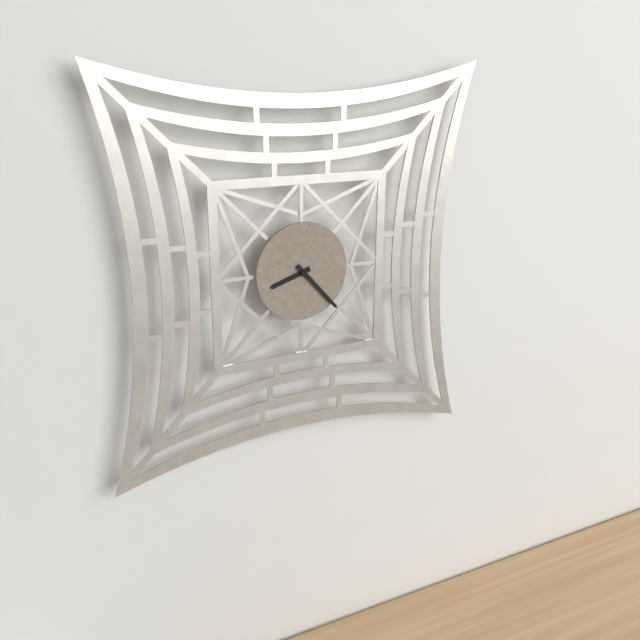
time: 8:23
